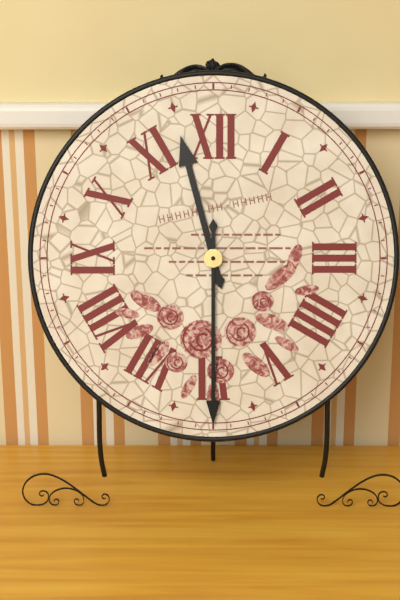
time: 11:30
